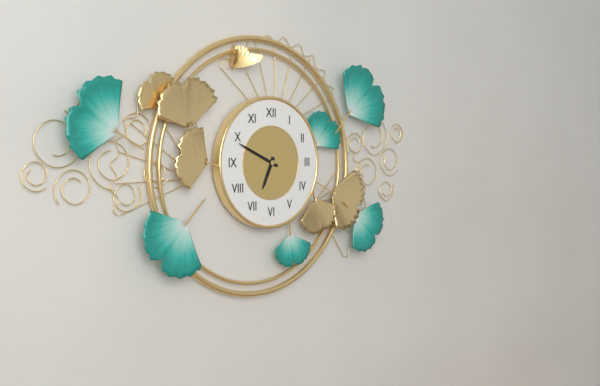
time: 6:49
